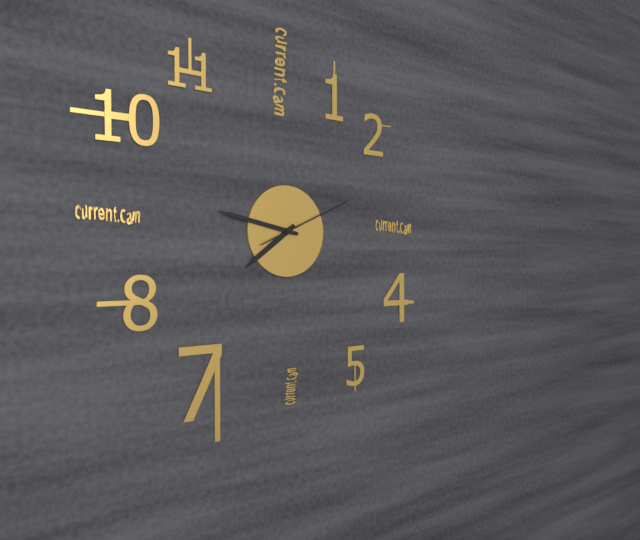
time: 7:47:11
